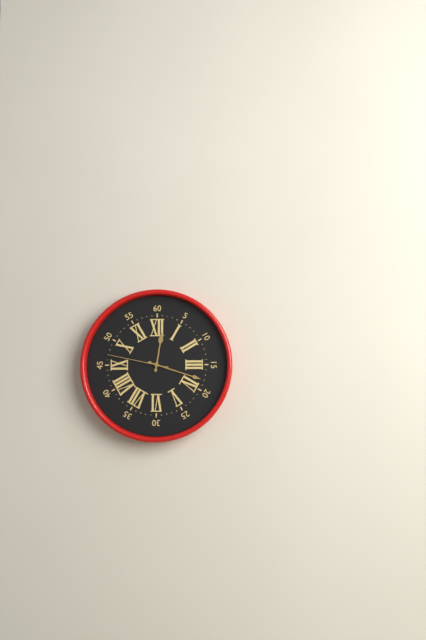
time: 12:18:47
